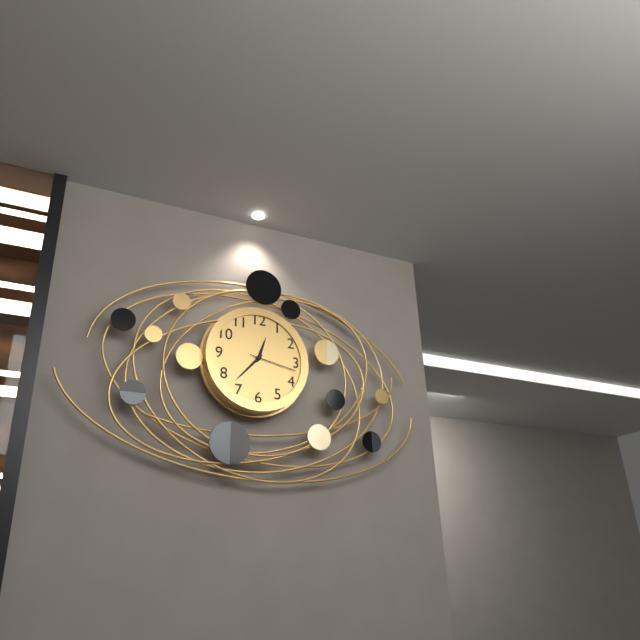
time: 12:37
